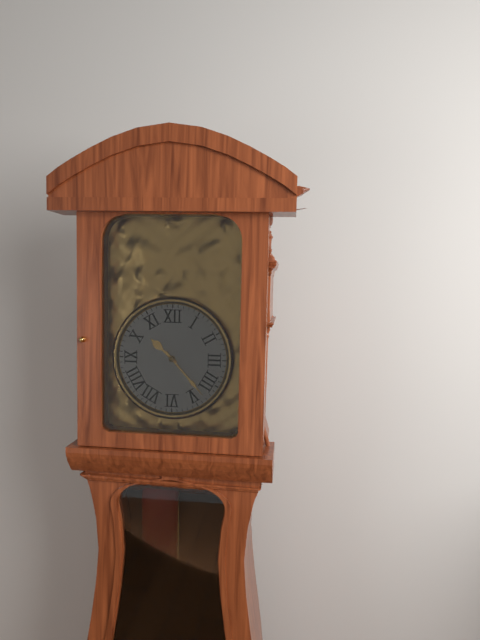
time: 10:23
